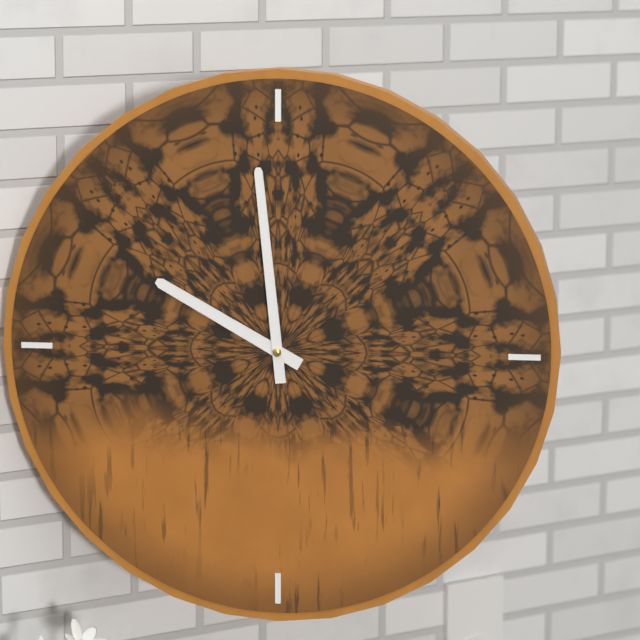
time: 9:59
